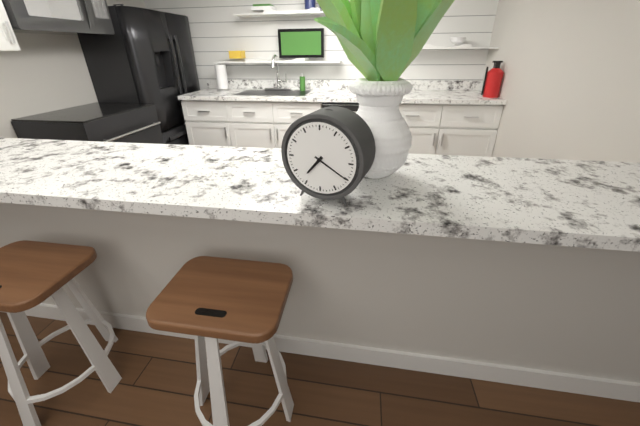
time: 7:20
